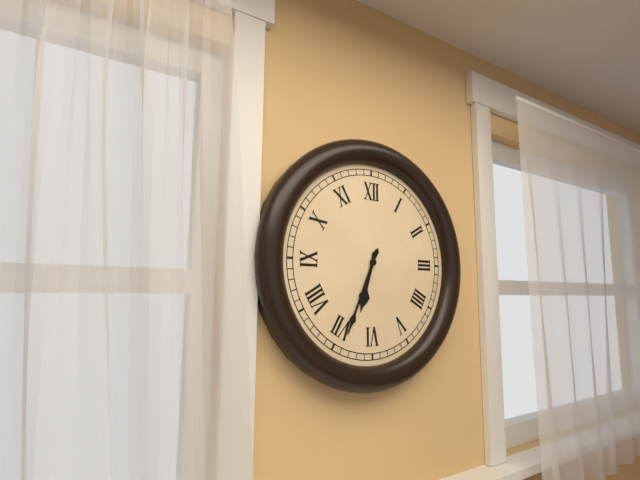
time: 6:34
